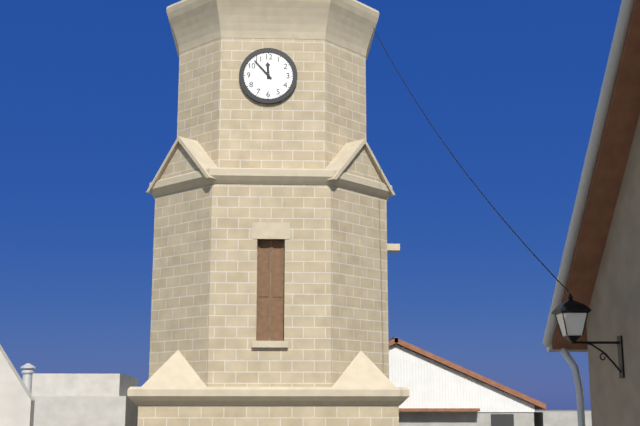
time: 11:53
